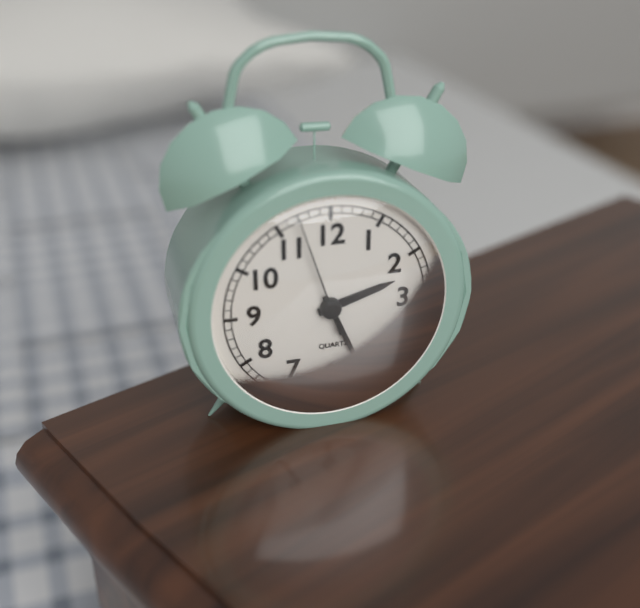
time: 2:26:57
